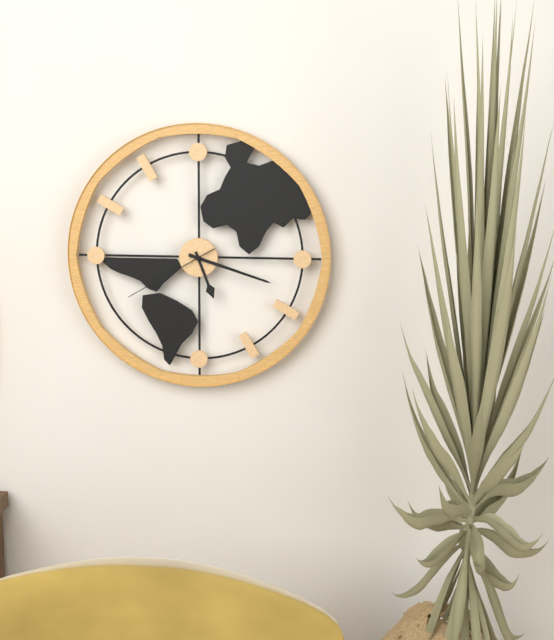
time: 5:18:40
